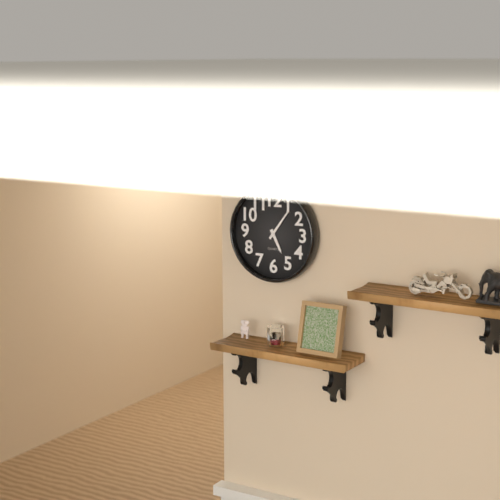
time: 5:06
